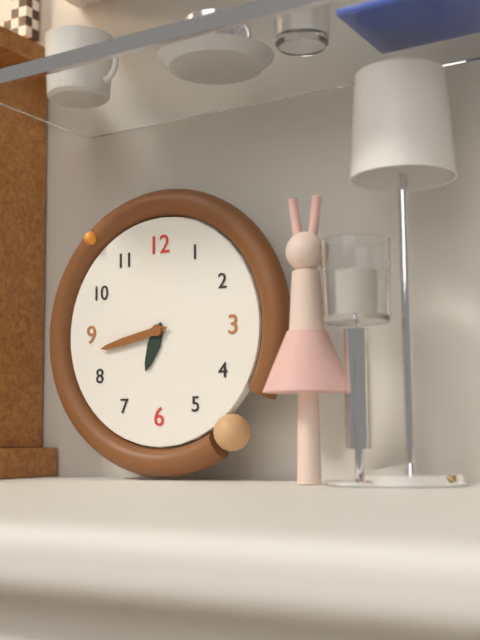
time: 6:43
